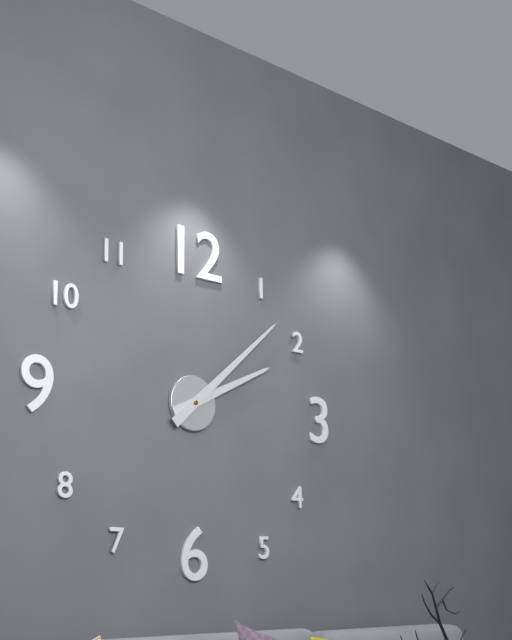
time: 2:08
